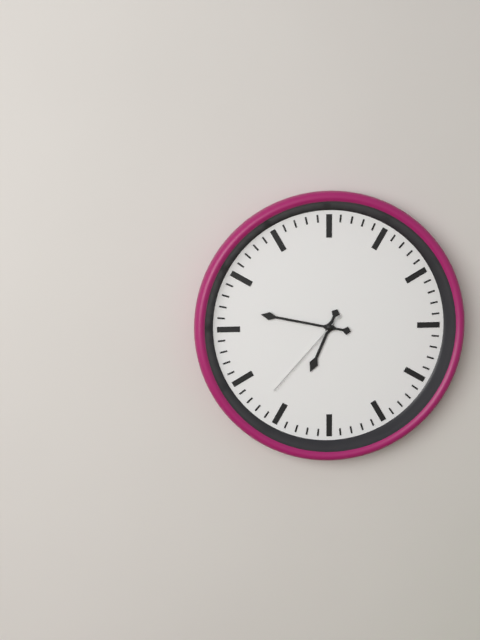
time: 6:47:37
